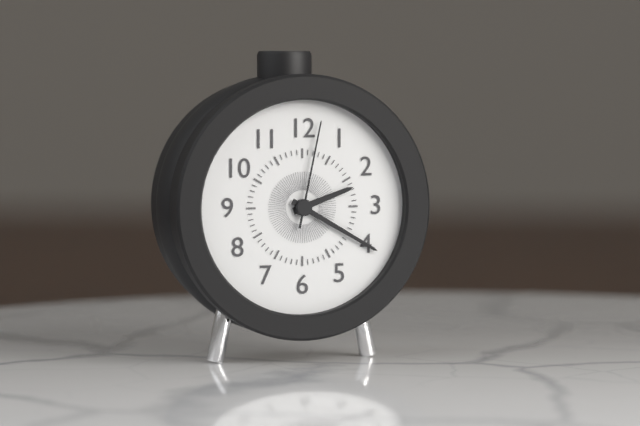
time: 2:20:02
